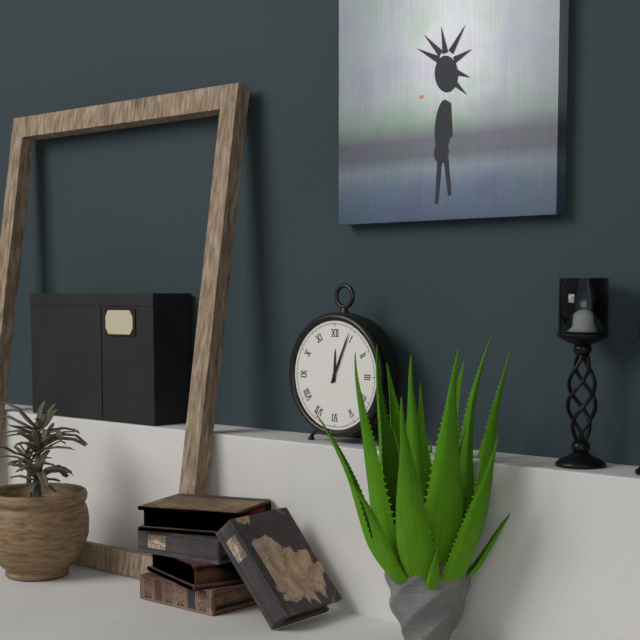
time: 12:04
